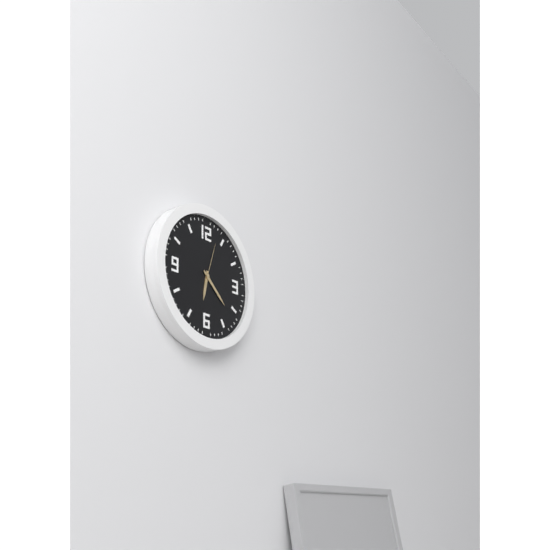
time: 6:22
